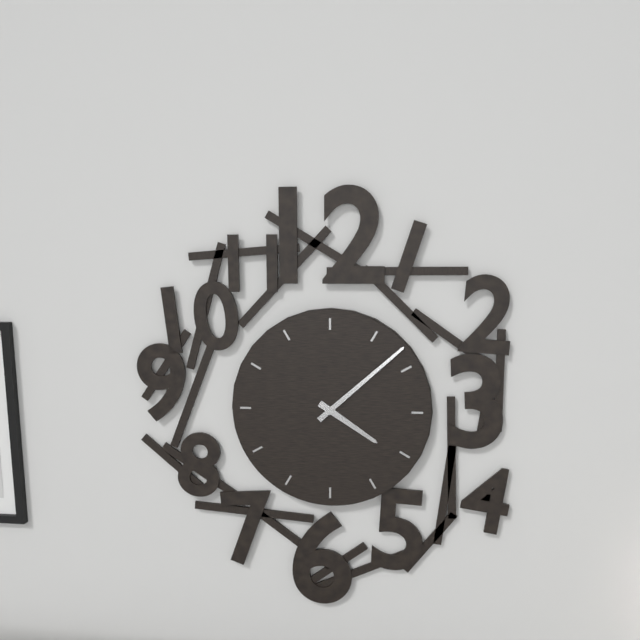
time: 4:08
